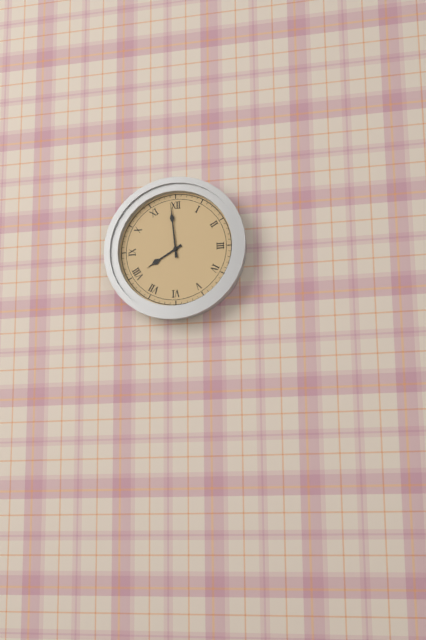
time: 7:59
